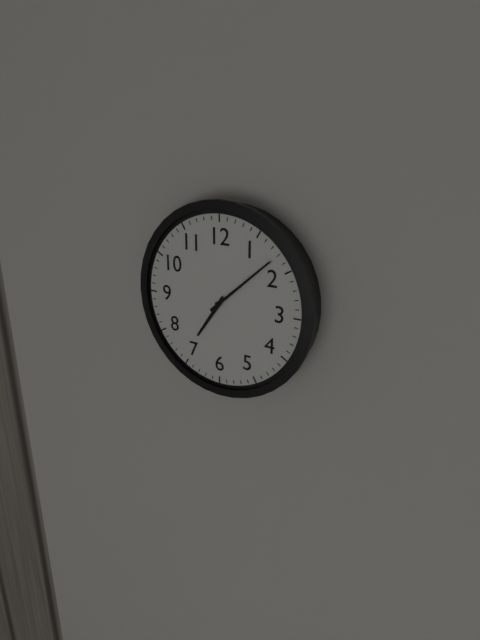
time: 7:08
